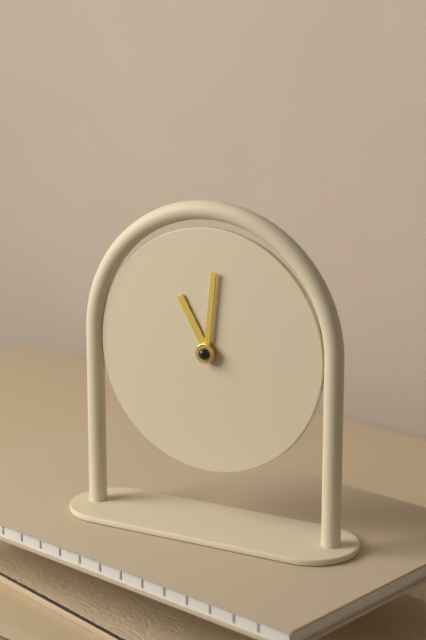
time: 11:01
